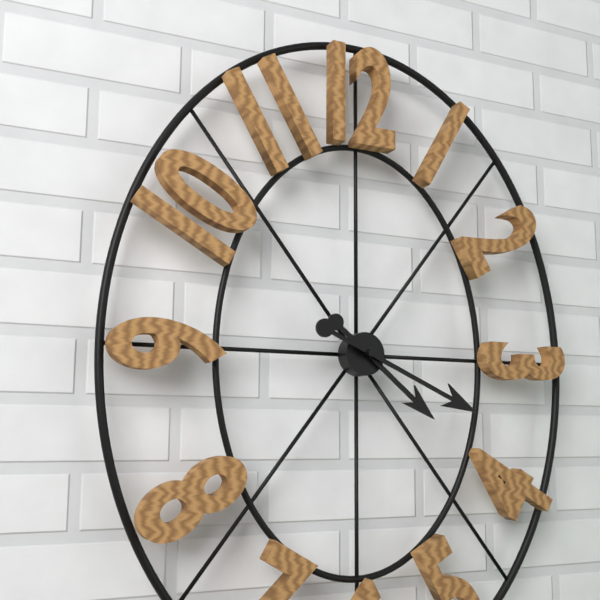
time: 4:19
